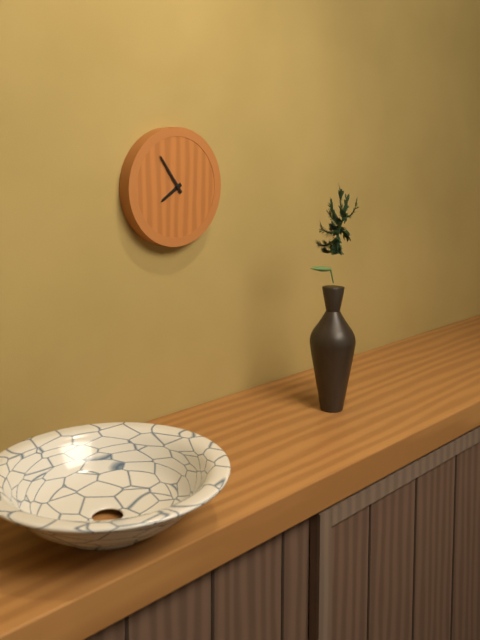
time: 7:54
